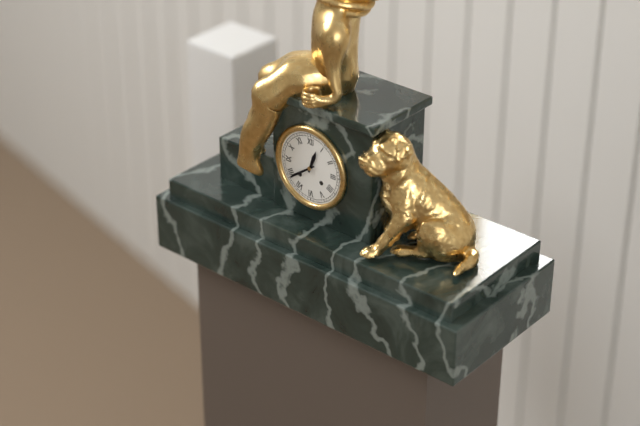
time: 12:39
